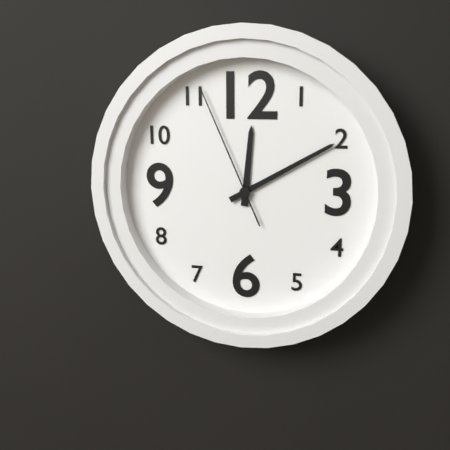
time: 12:10:56
